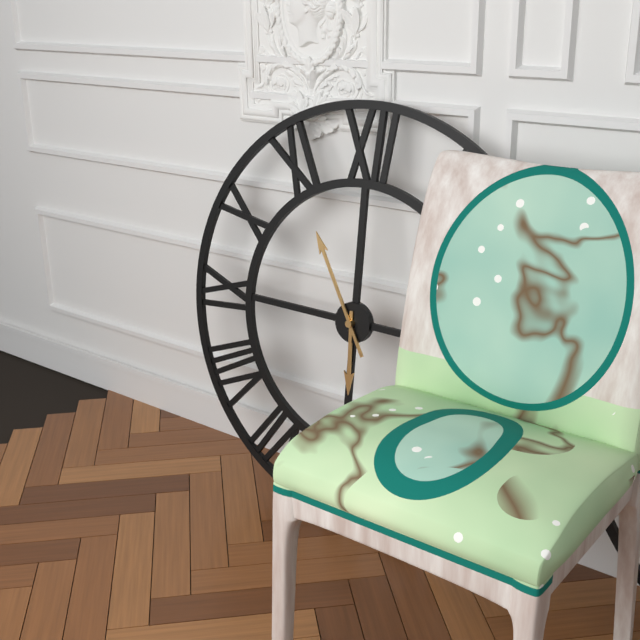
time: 5:55
